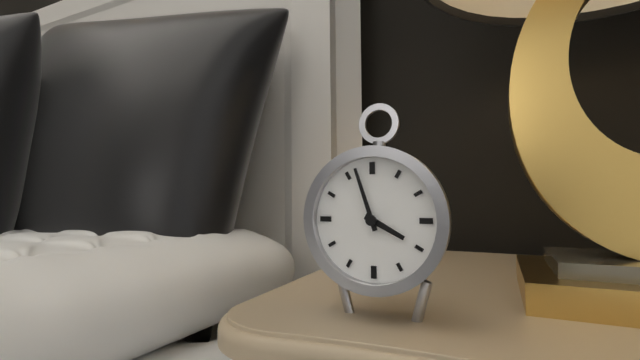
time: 3:57
